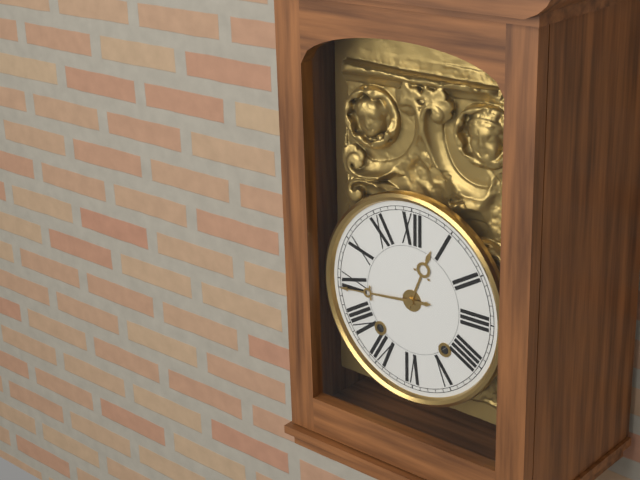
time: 12:44
